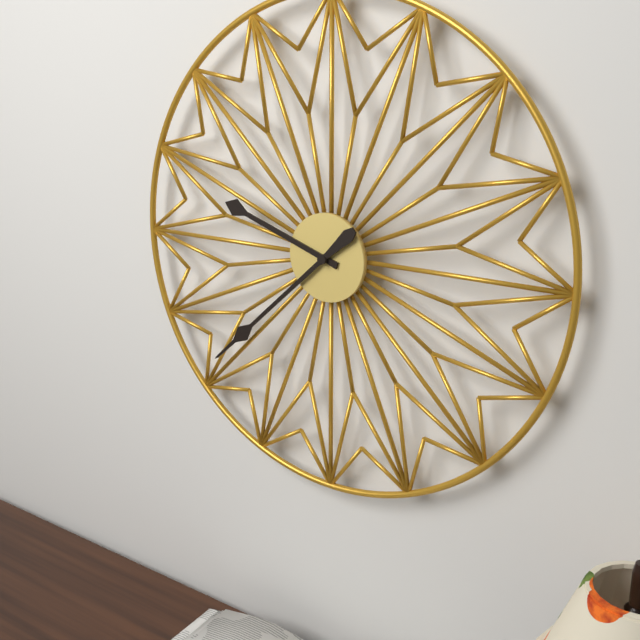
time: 9:38
